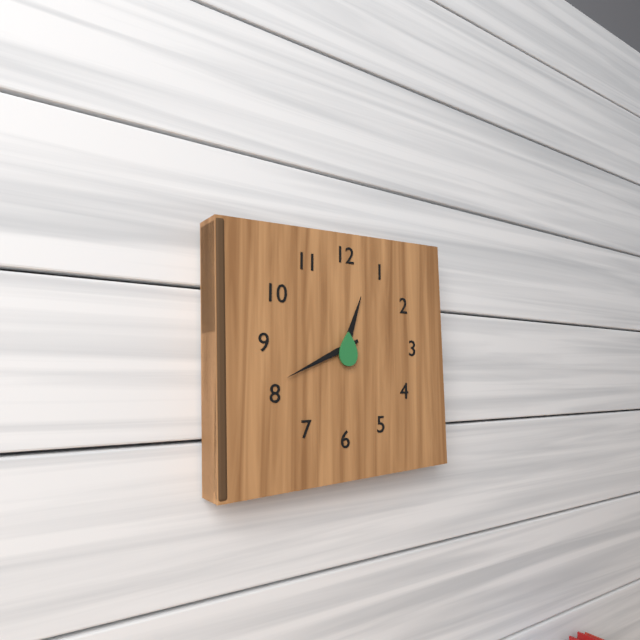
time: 12:41
